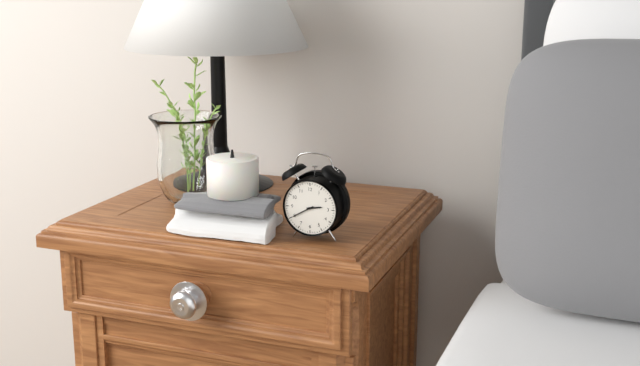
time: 2:40
